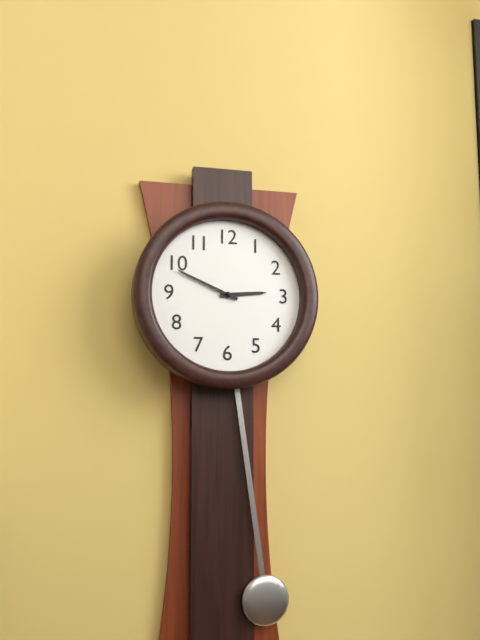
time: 2:49
